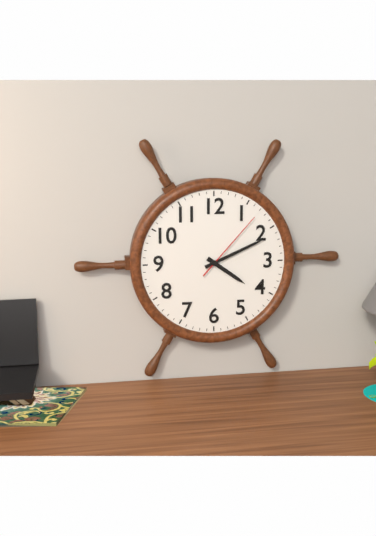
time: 4:11:07
